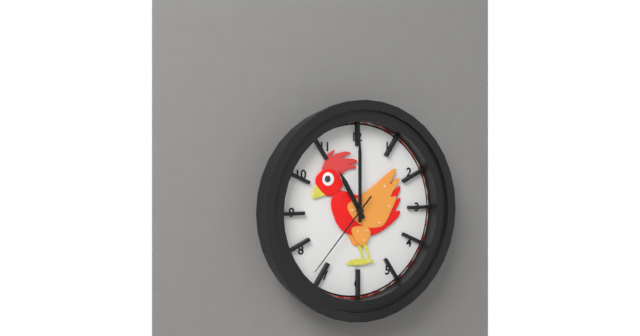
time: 11:00:37
